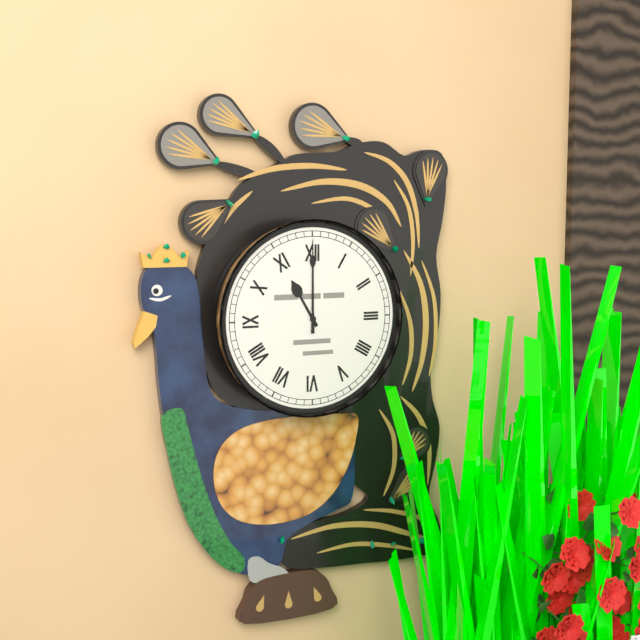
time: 11:00
